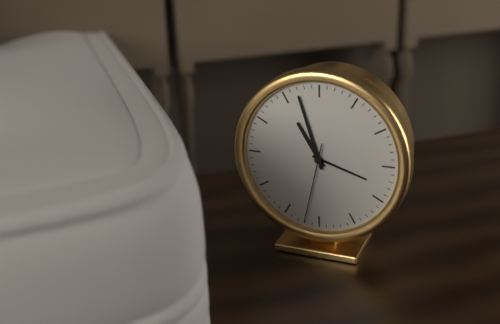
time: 10:57:32
